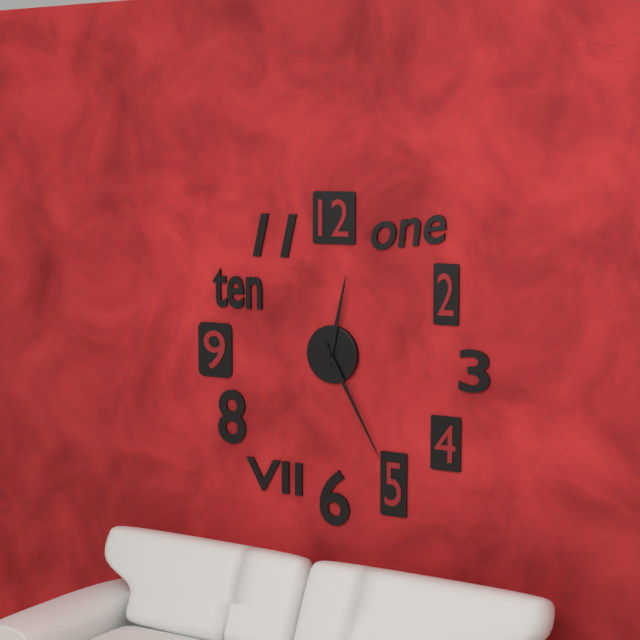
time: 12:25
